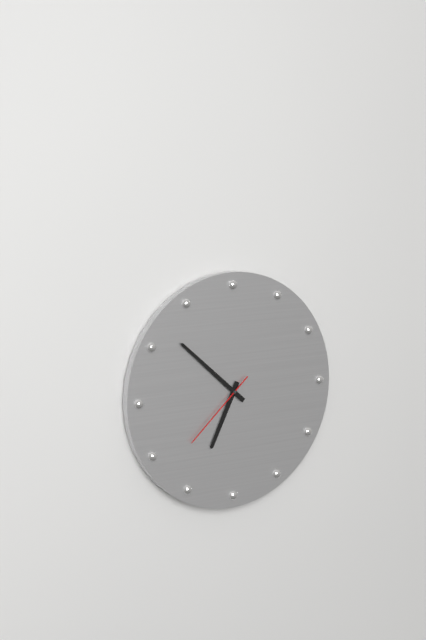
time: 6:52:38
